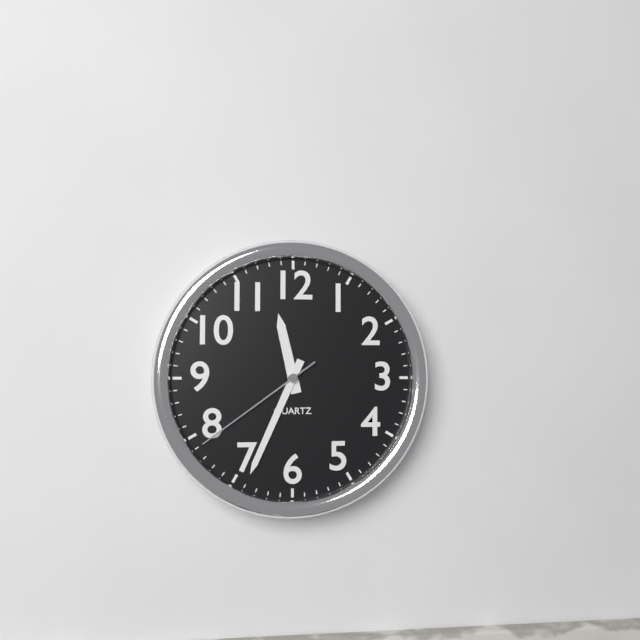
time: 11:34:39
